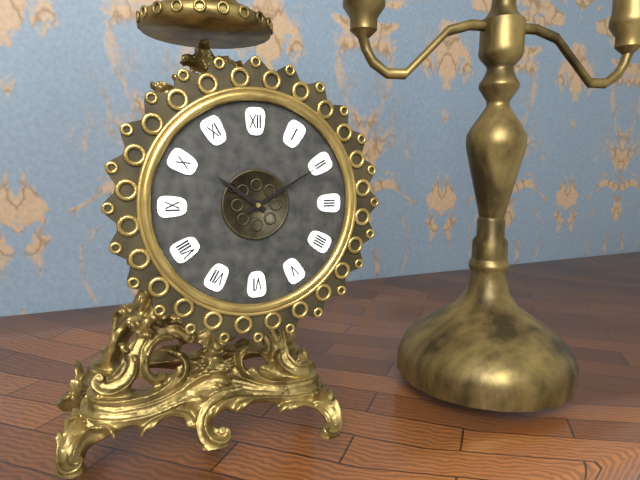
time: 10:10
